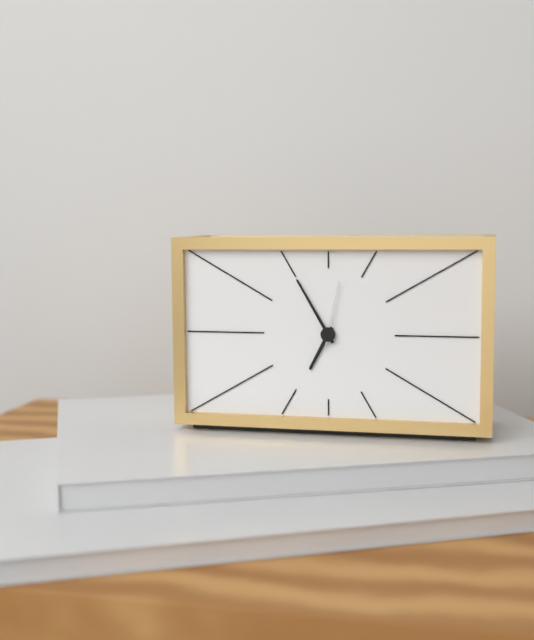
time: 6:55:02
